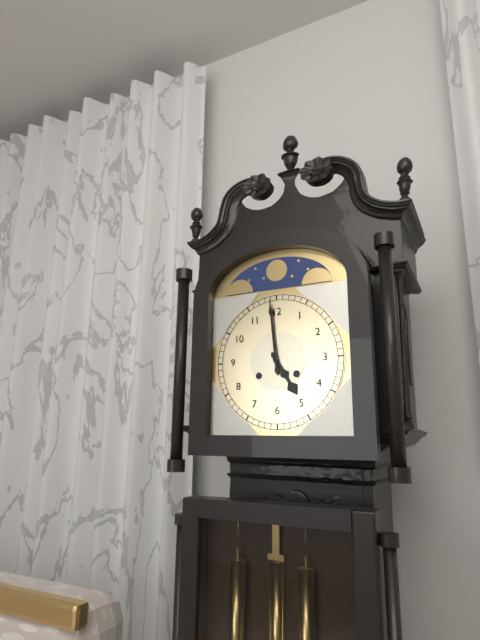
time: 4:59
